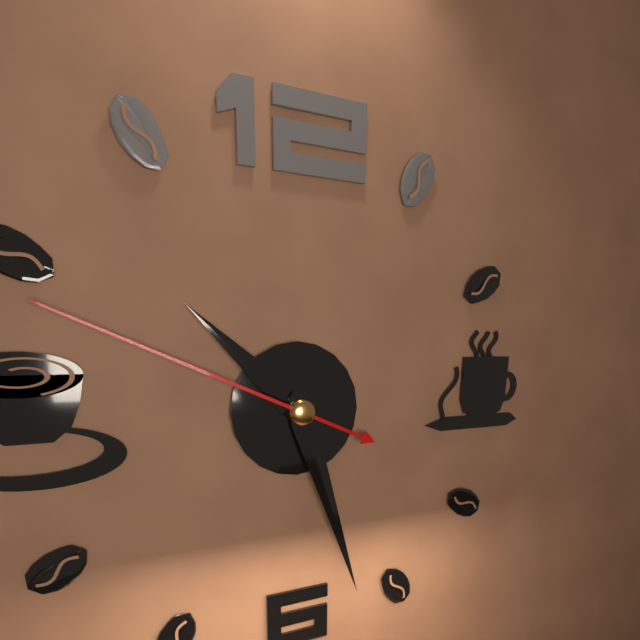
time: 10:27:49
